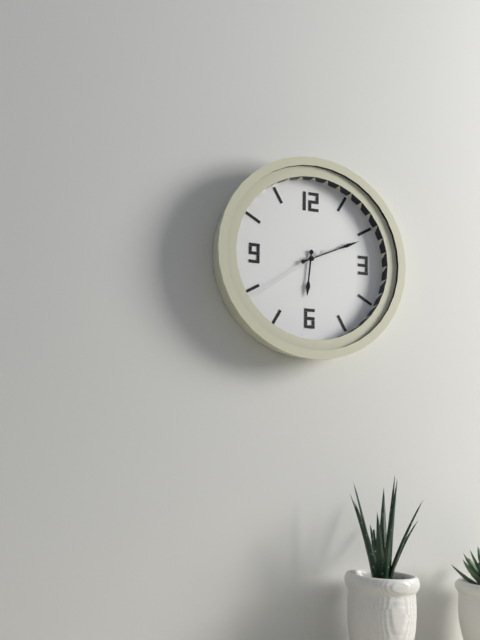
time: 6:11:39
